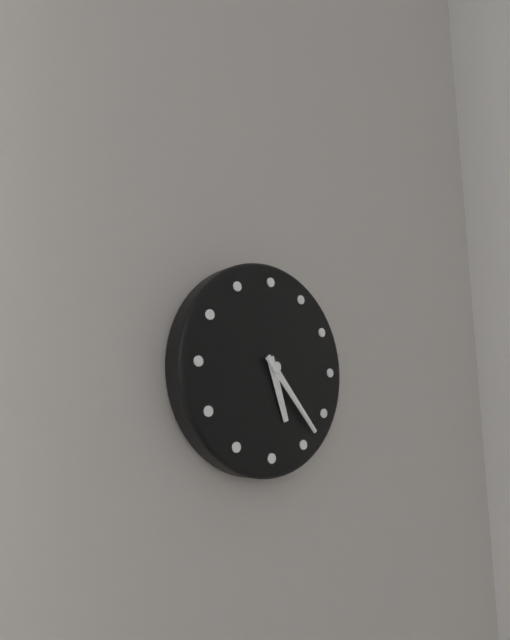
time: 5:23
